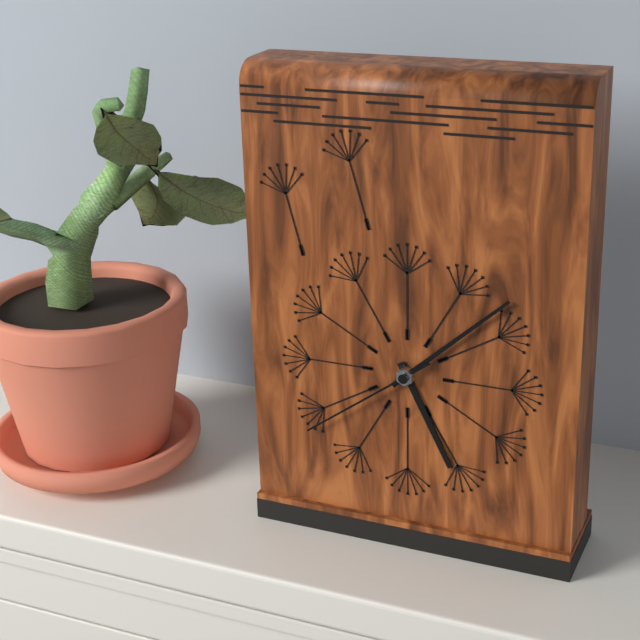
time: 5:08:39
